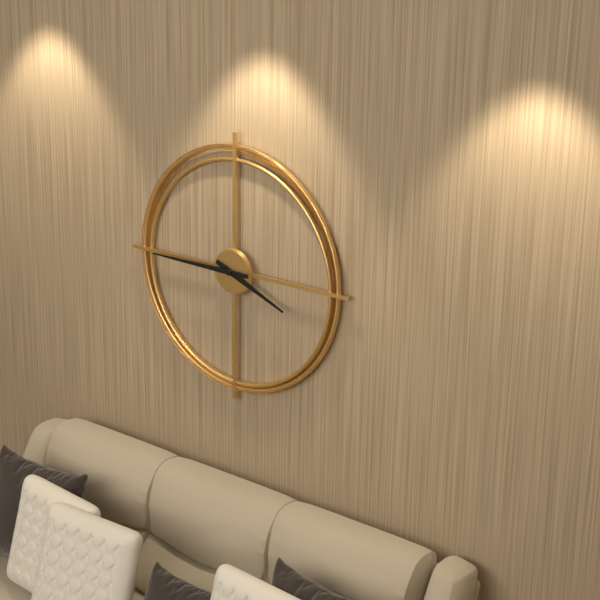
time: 3:45
